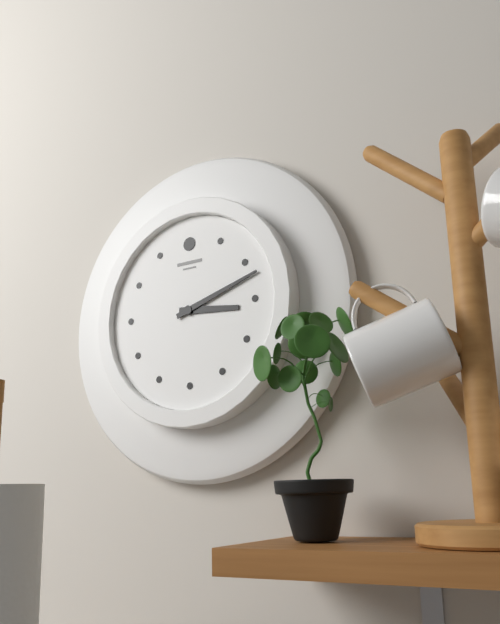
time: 3:12
